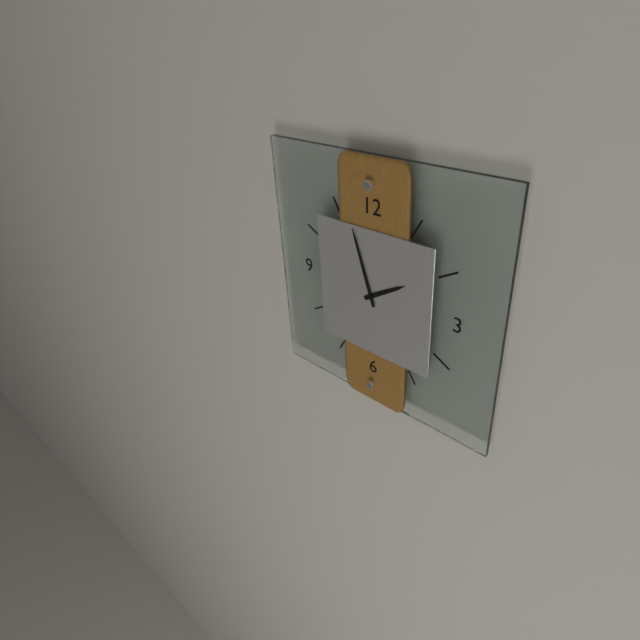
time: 1:57
